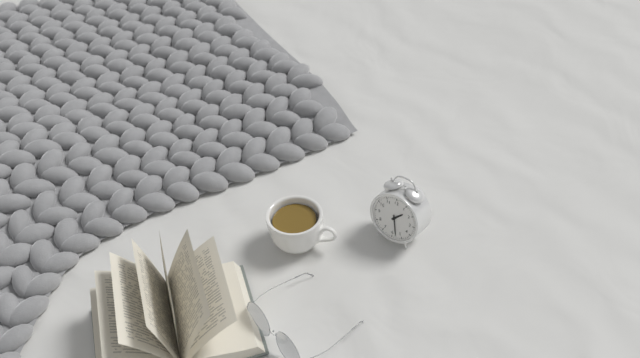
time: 1:28
